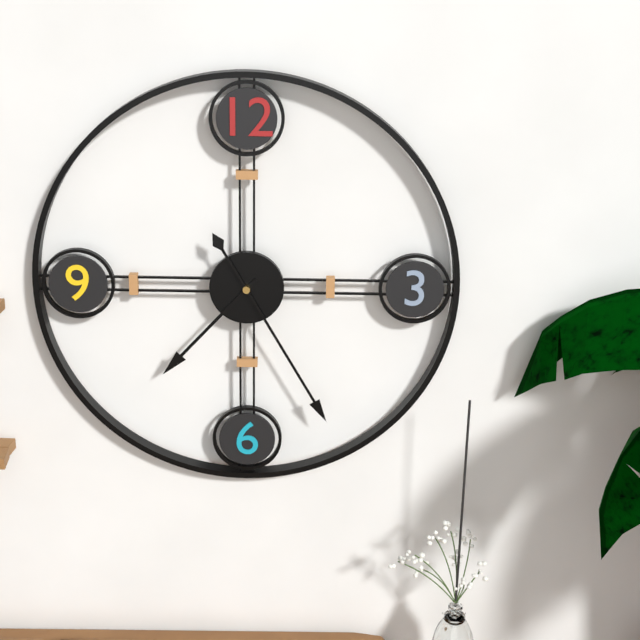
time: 7:25
